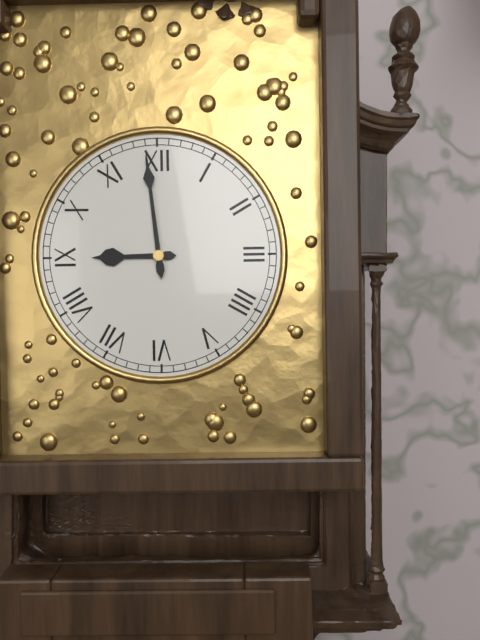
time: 8:59
